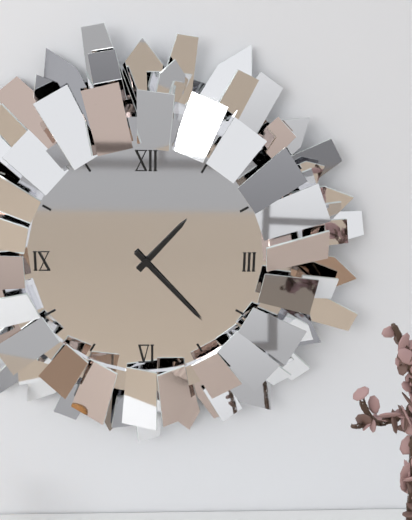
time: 1:23
